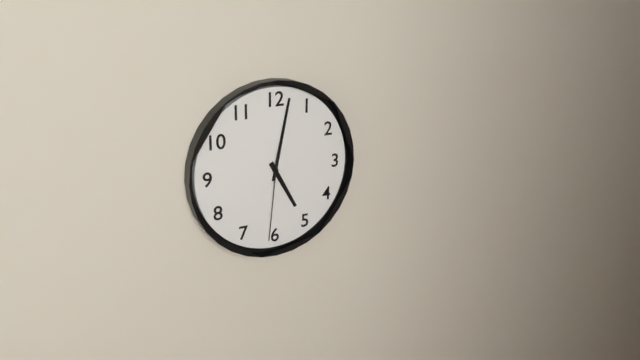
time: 5:02:31
